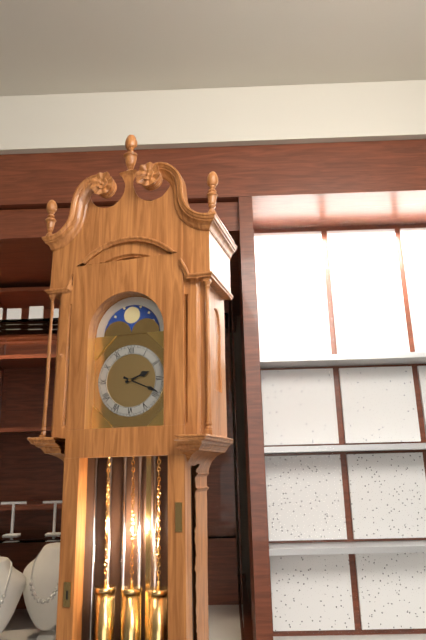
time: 2:19
